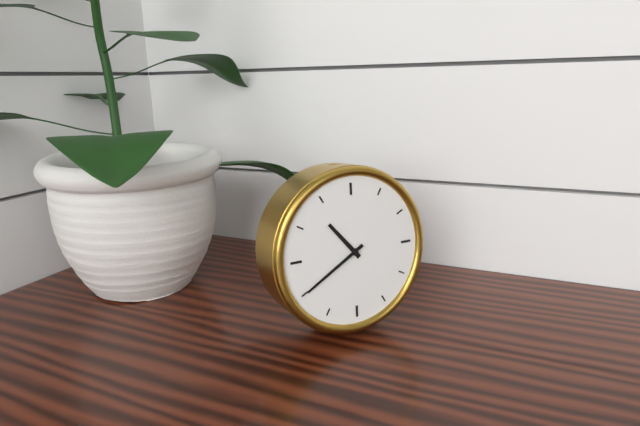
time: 10:40
